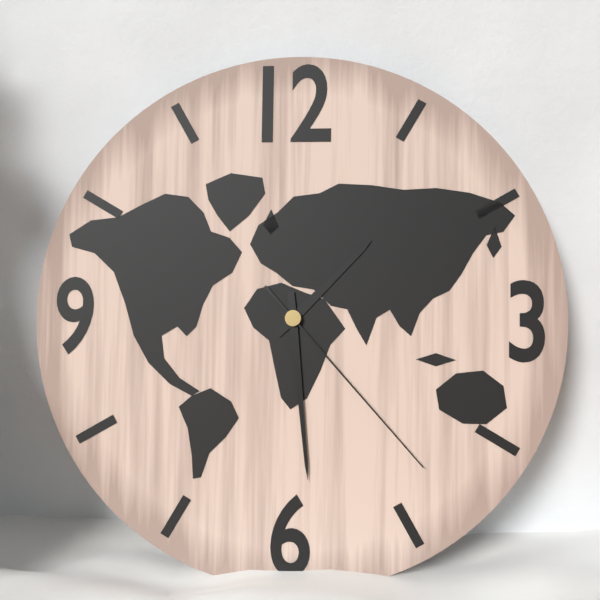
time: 1:29:23
